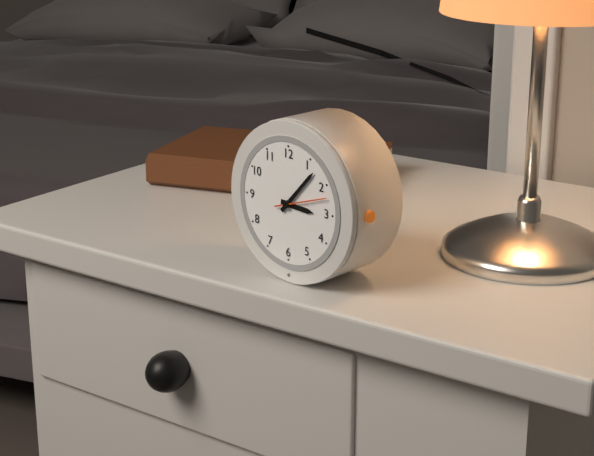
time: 3:07
